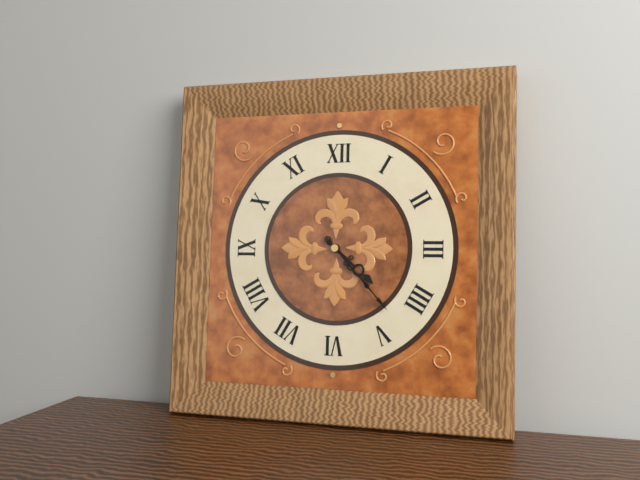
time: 4:23
